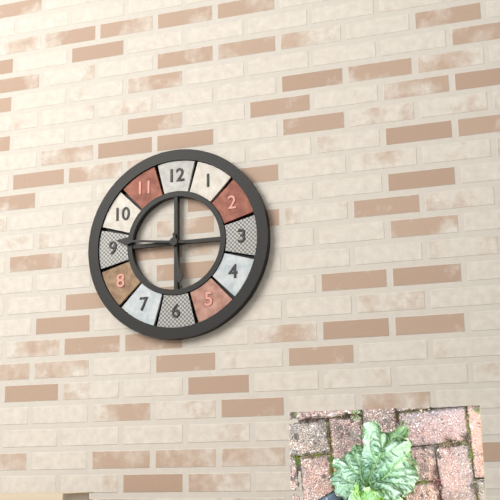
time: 5:46
